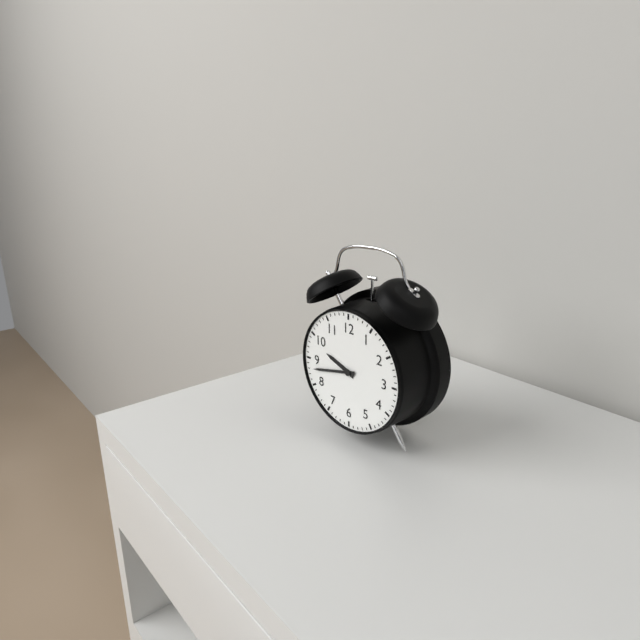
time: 9:43
